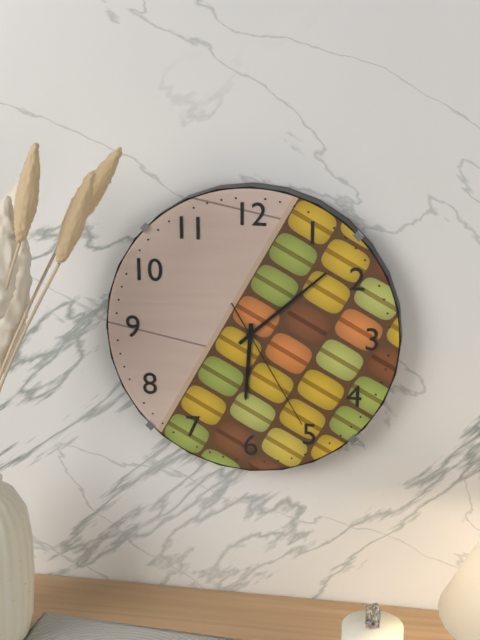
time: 6:08:25
